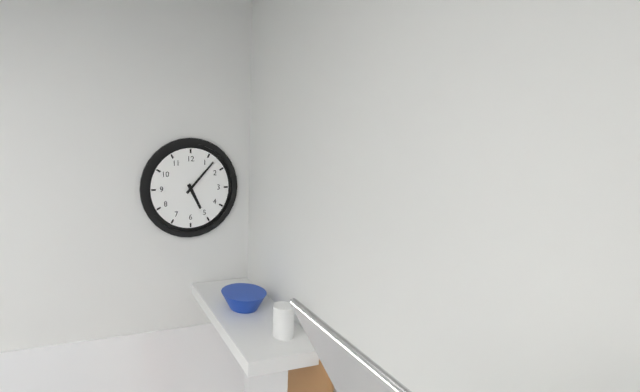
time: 5:07
